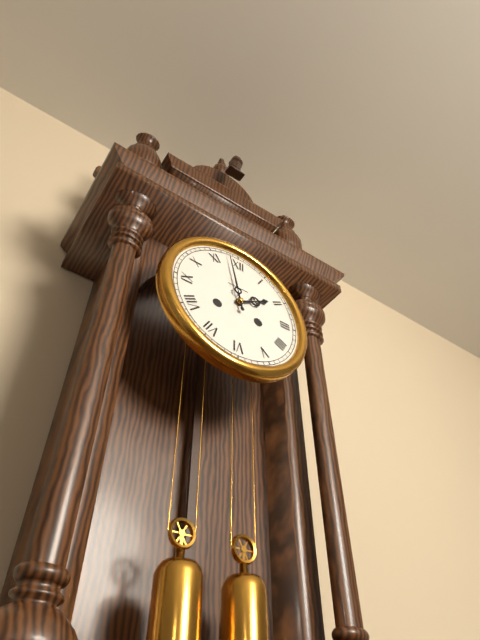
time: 1:58
